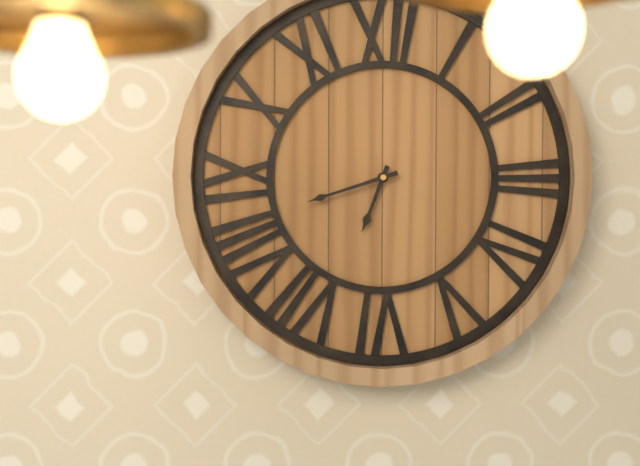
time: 6:42
